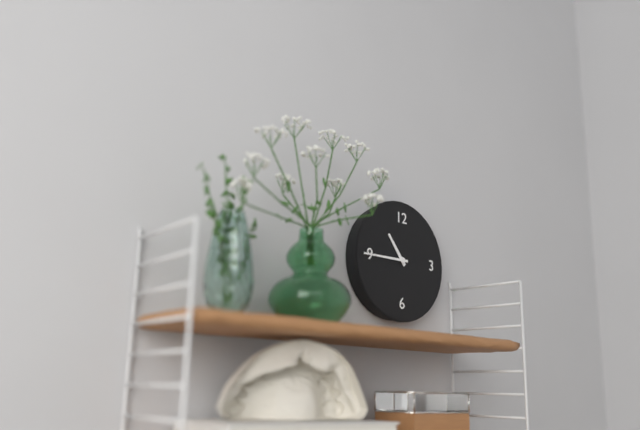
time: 10:45
